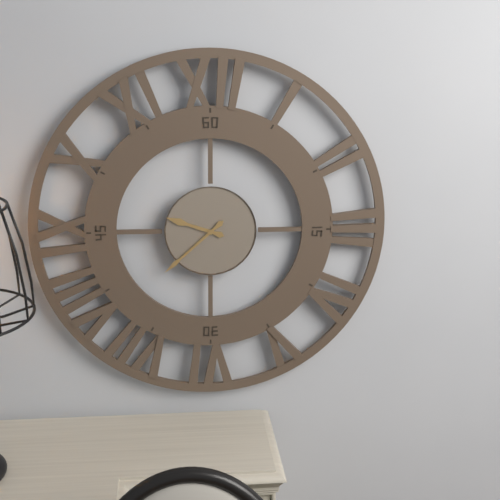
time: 9:38
